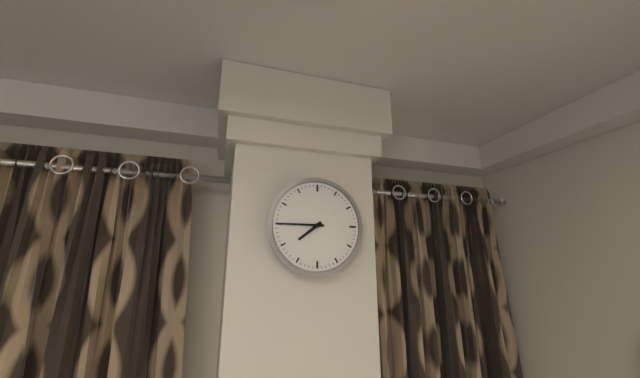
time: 7:45
